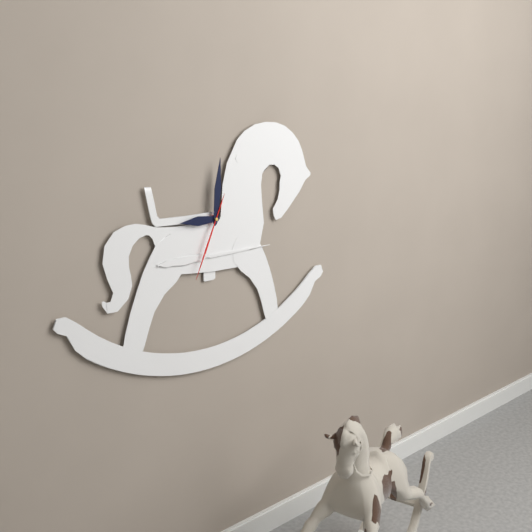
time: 9:01:34
